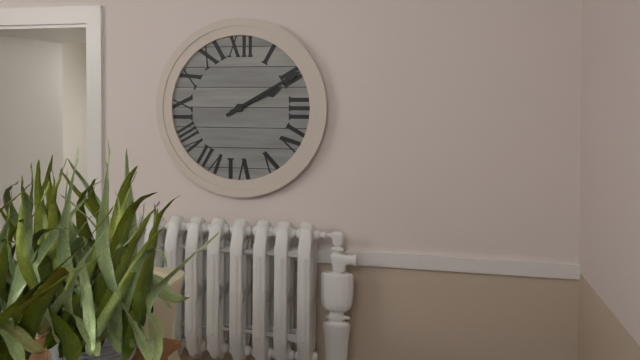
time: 2:10
